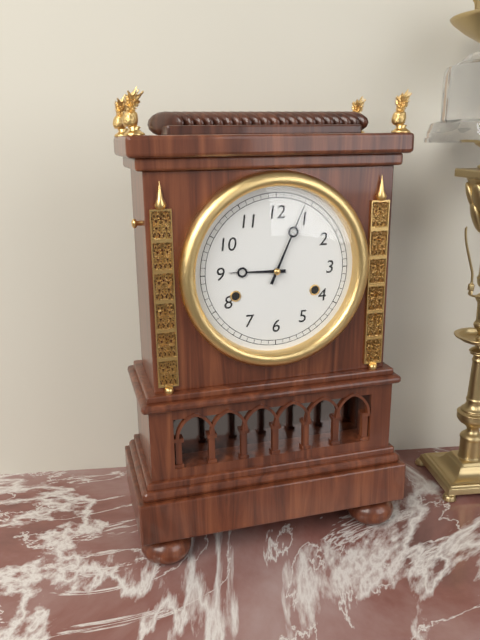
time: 9:04
